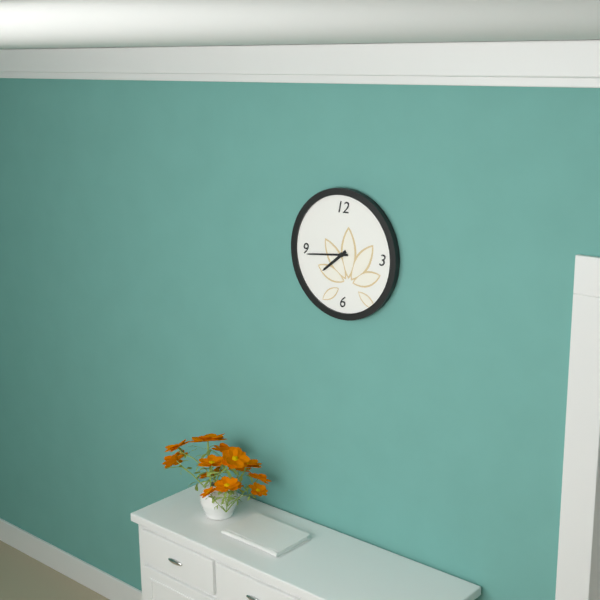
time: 7:44
